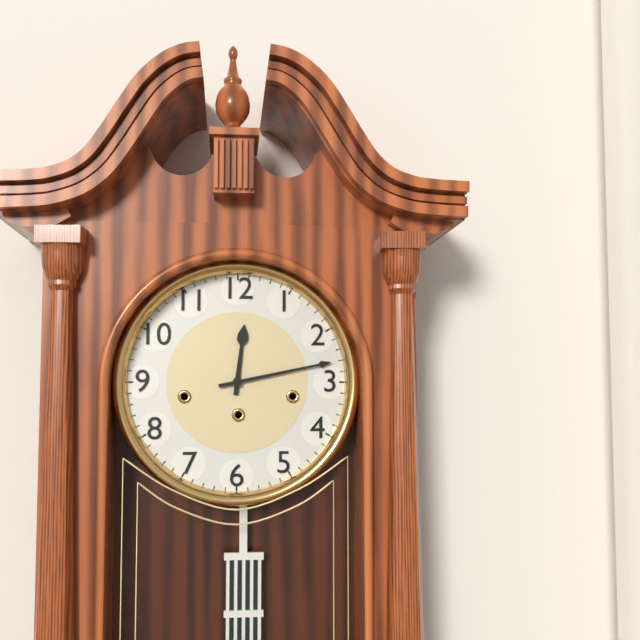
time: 12:13
